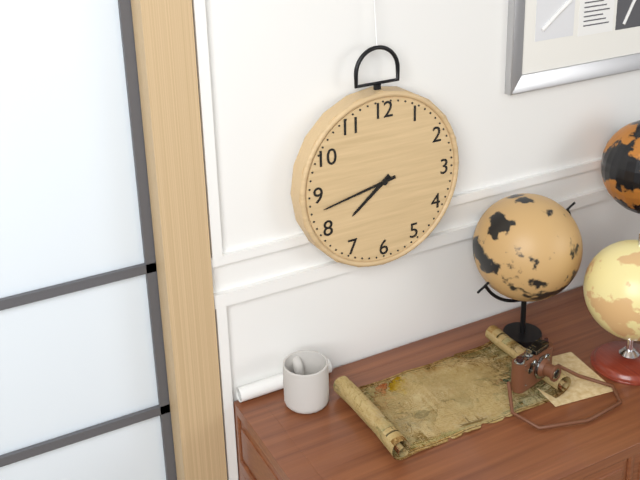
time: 7:43
